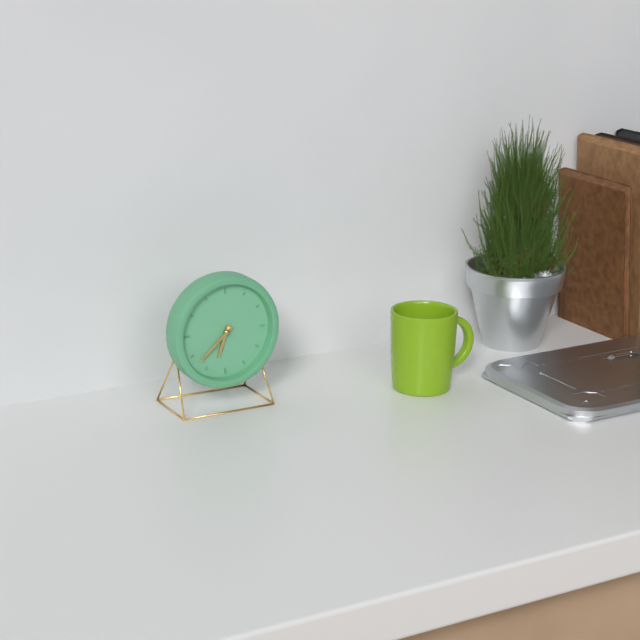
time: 6:38
